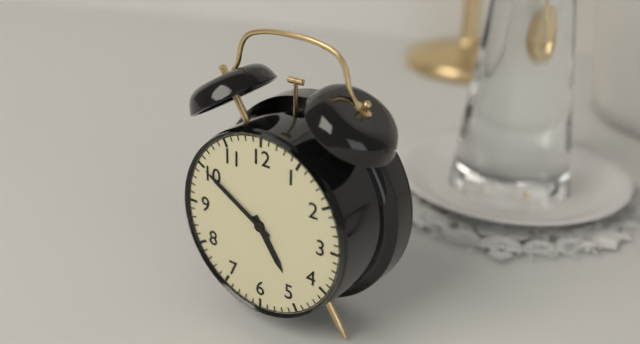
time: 4:50
